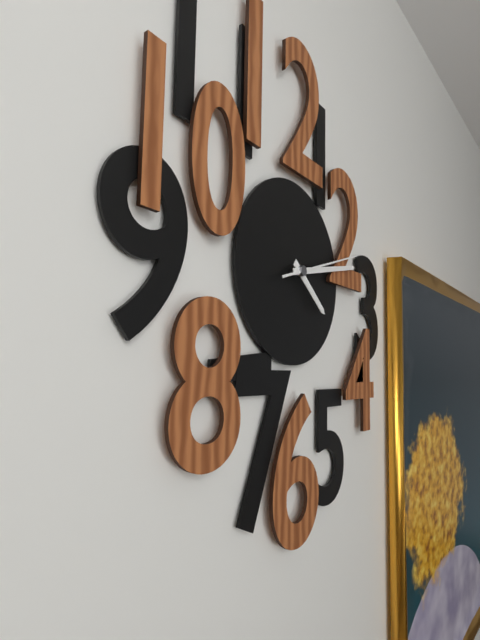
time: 4:13:12
